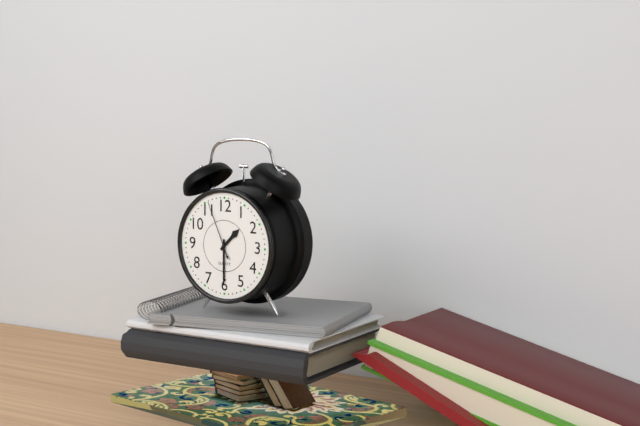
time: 1:30:56
